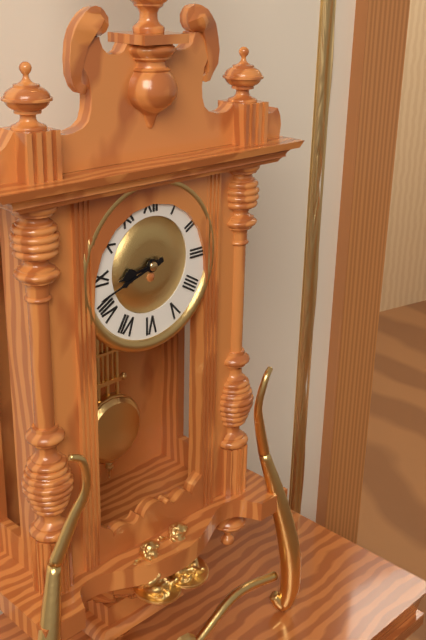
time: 8:42
